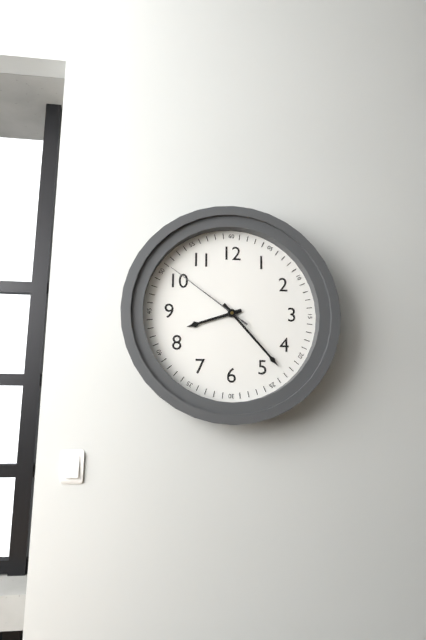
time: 8:23:51
